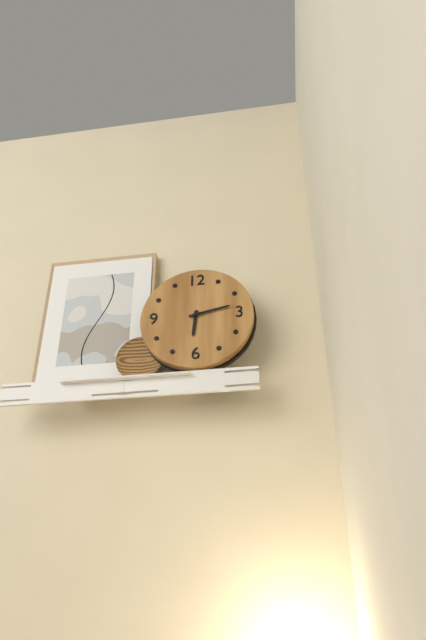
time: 6:13
